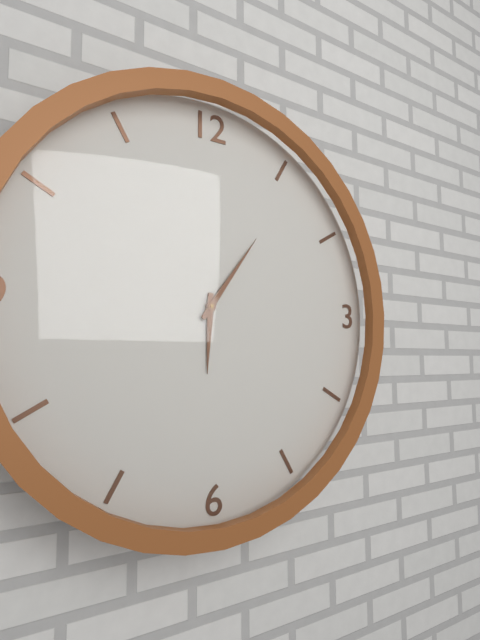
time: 6:06
